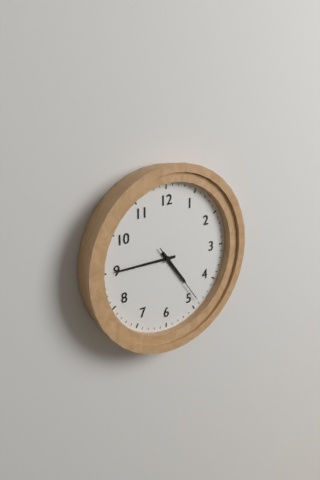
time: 4:45:24
